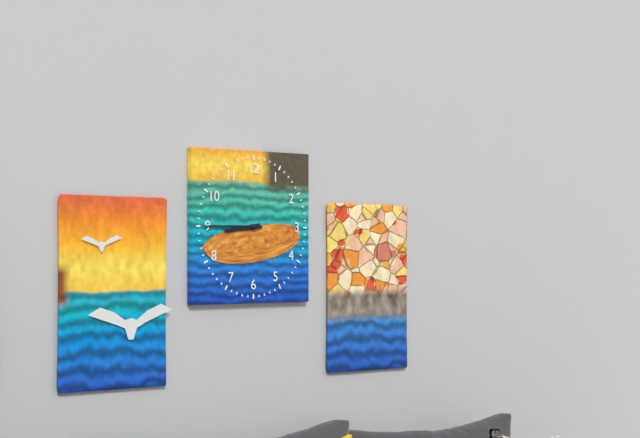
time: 8:45
